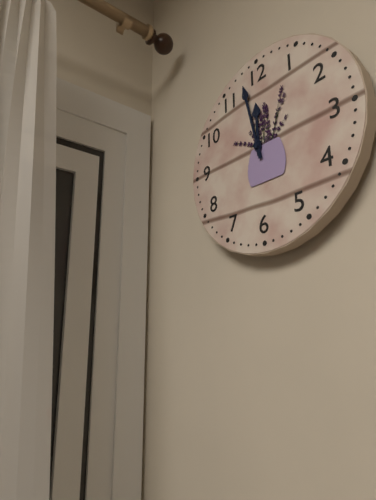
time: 11:58
